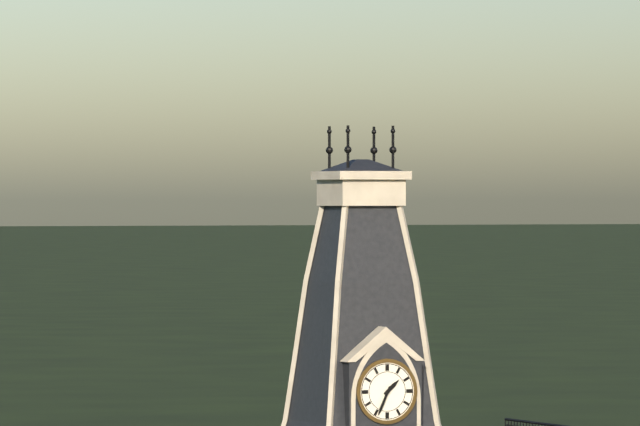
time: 1:34
